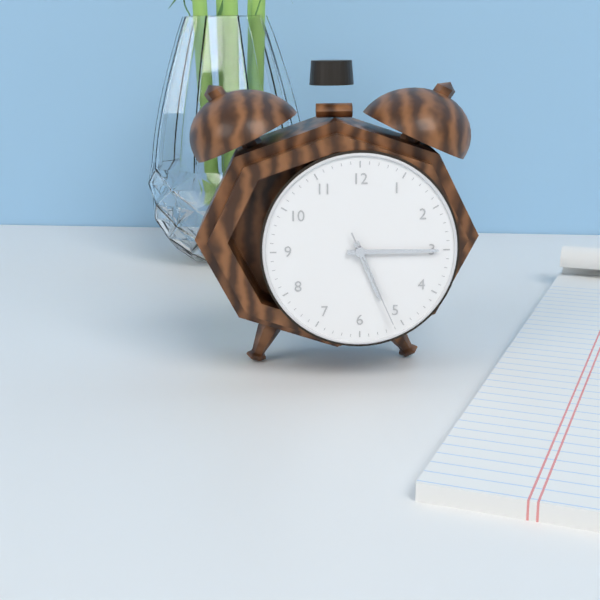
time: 5:15:26
